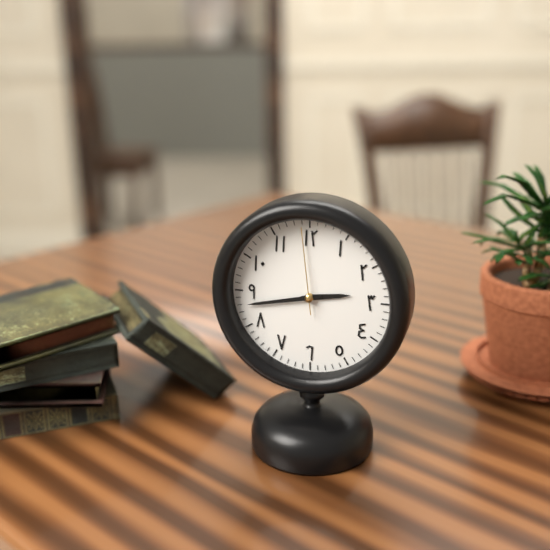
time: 2:43:59
